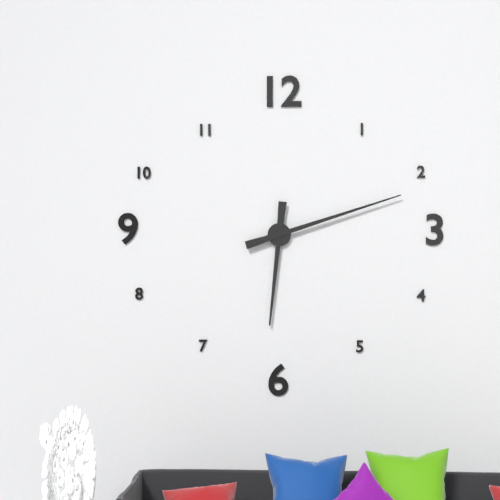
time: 6:12
